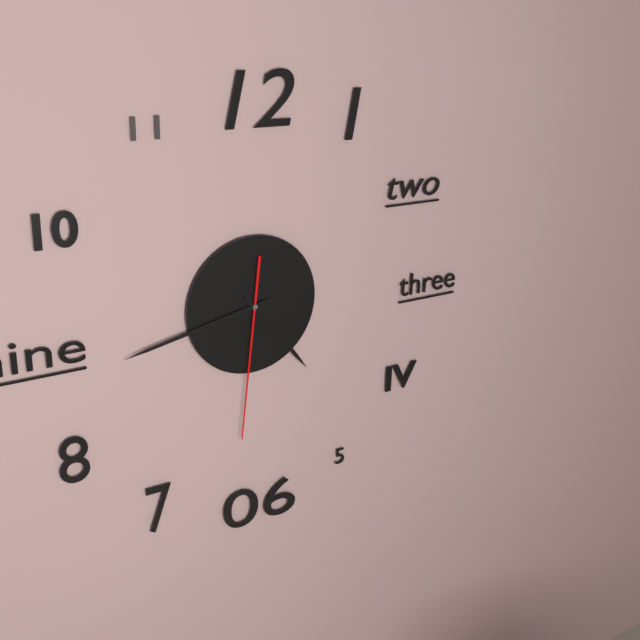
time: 4:43:31
